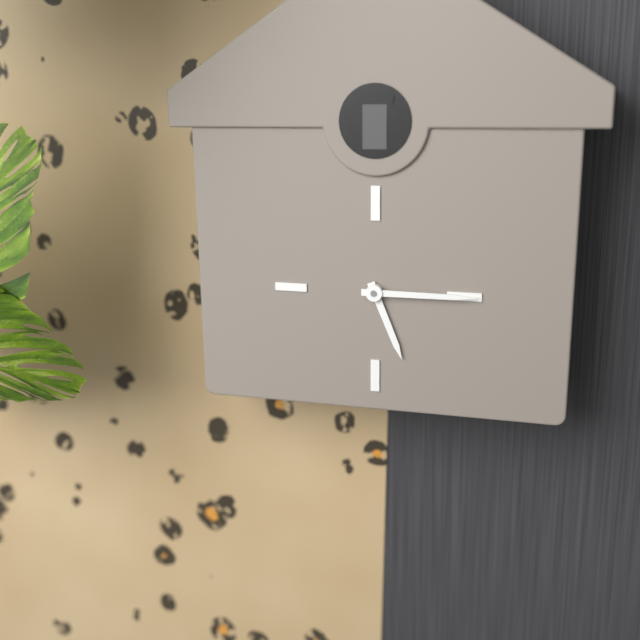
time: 5:15
